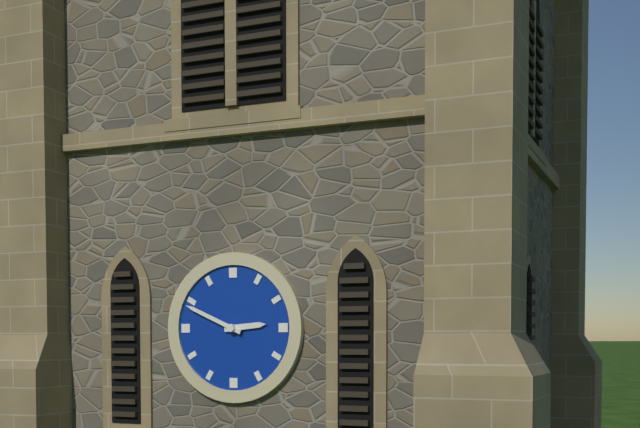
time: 2:49
